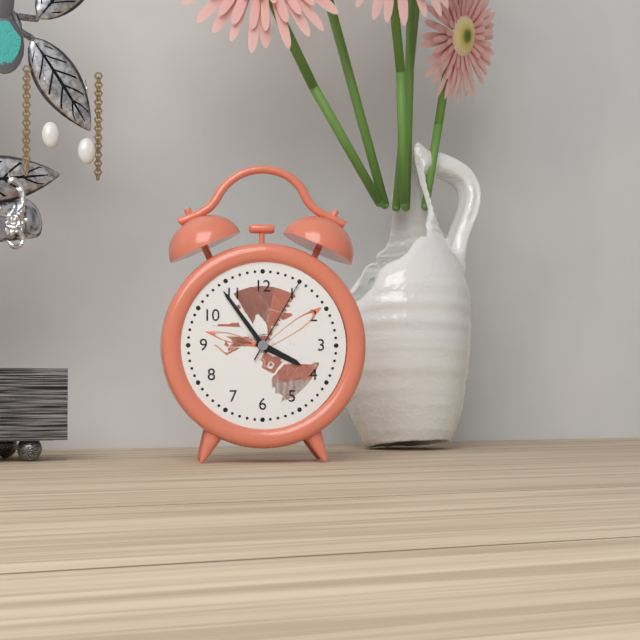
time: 3:54:05
